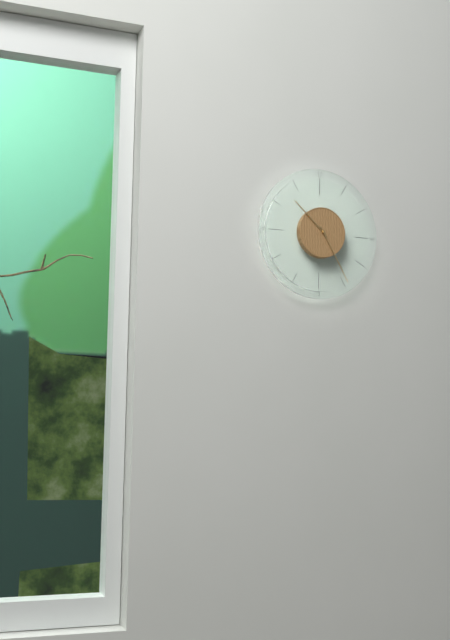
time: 10:25
